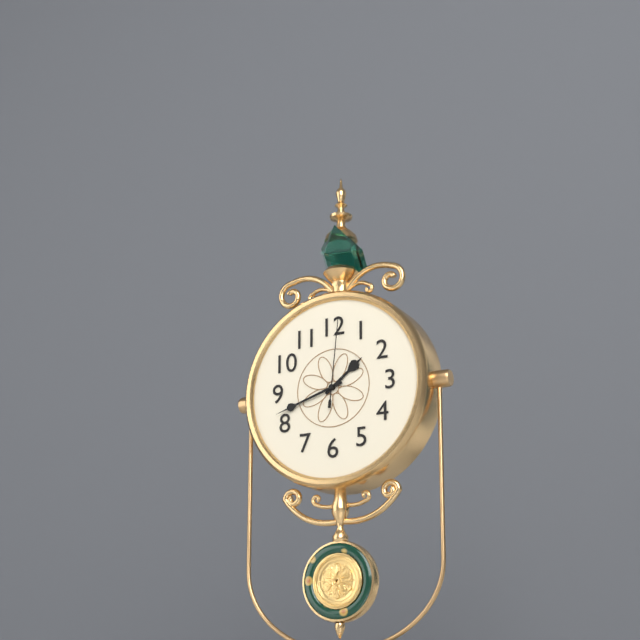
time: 1:42:01
